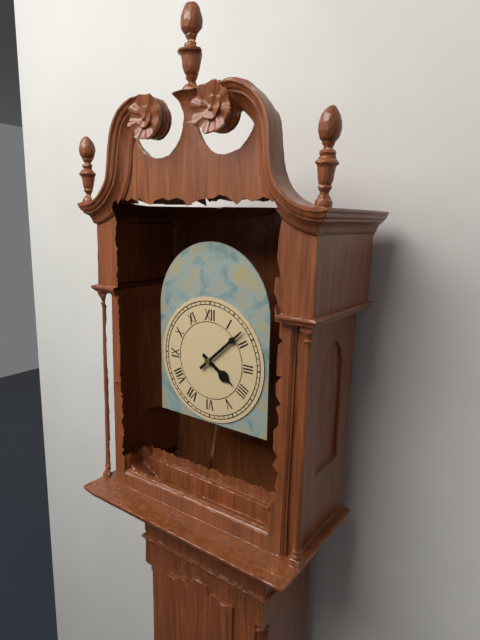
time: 4:08
